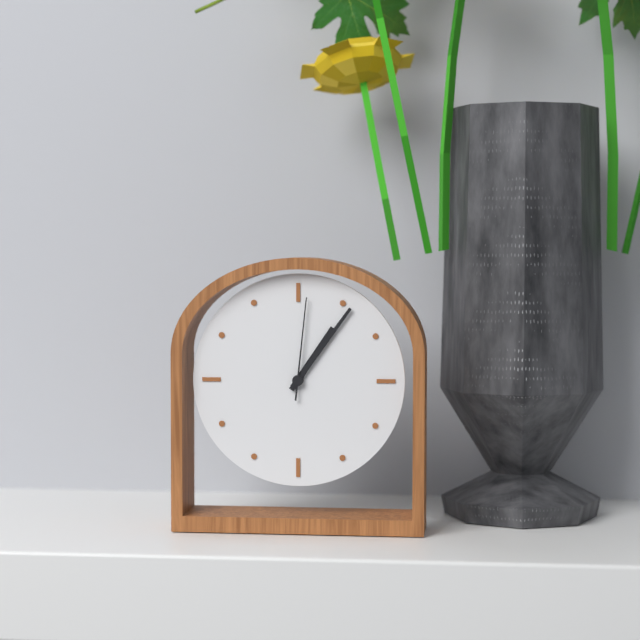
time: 1:06:01
